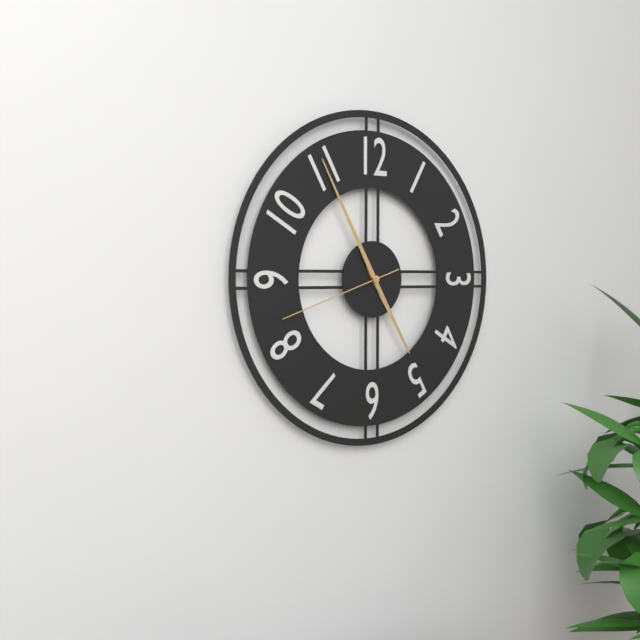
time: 4:55:42
